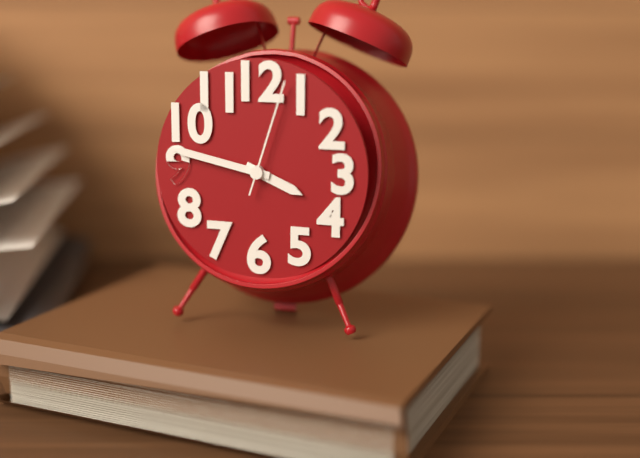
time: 3:47:03
